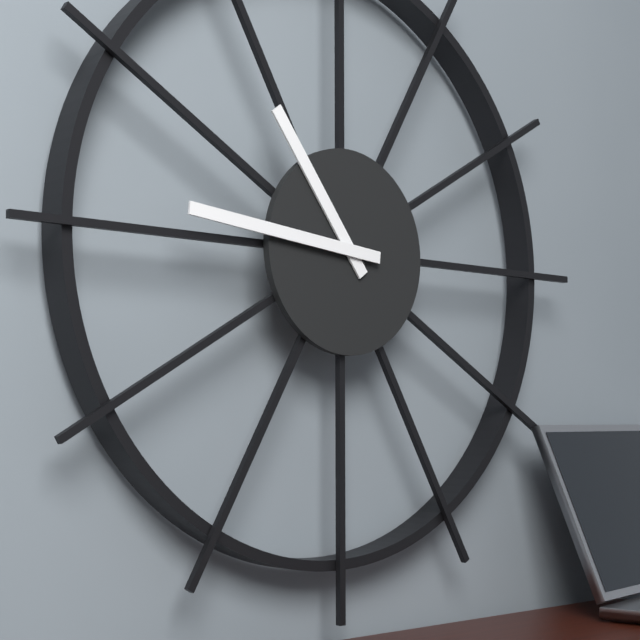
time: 10:46
